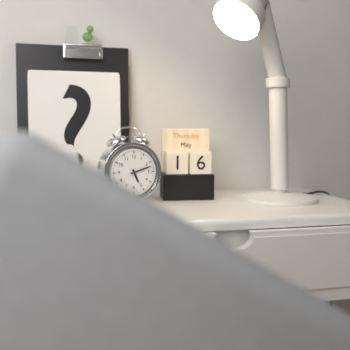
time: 5:12
